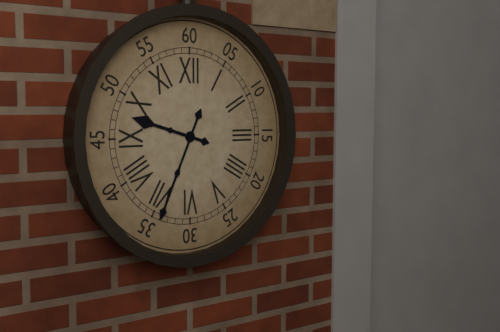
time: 9:34
